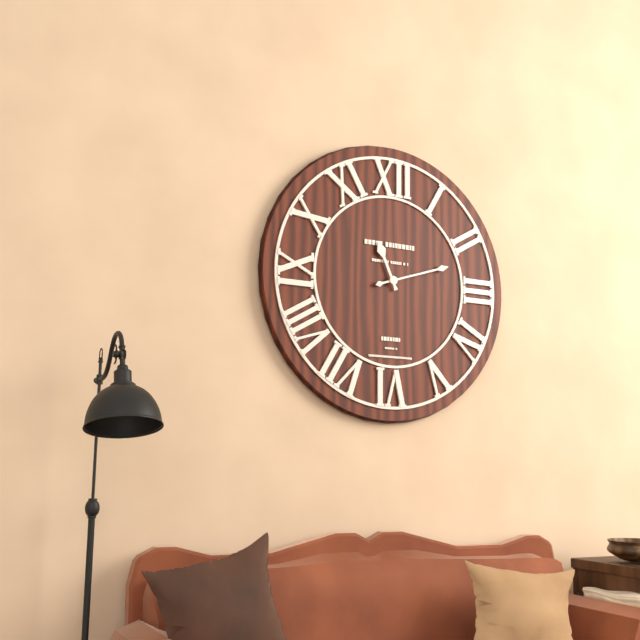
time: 11:12
